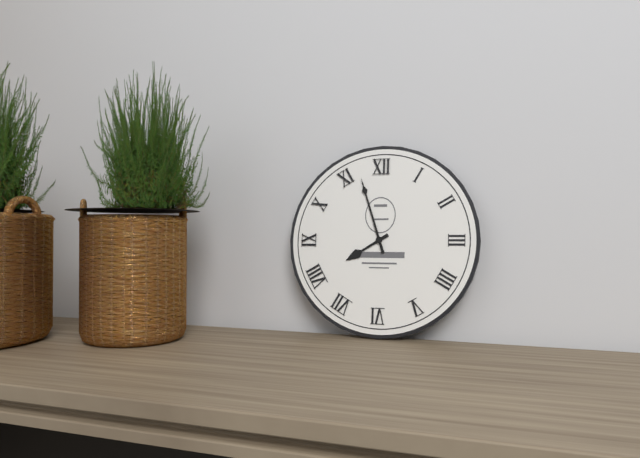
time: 7:57
